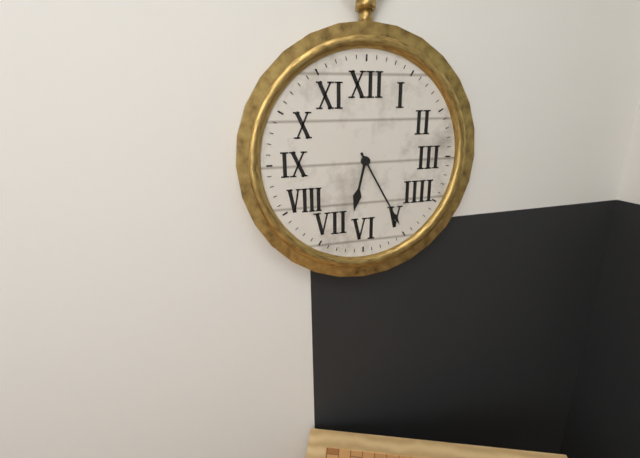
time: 6:25
